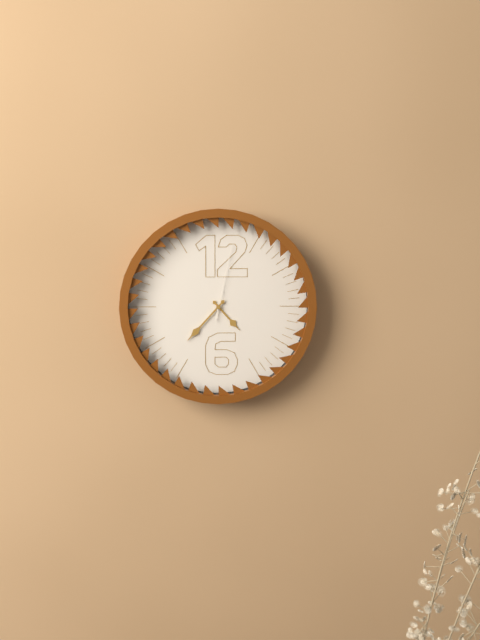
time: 4:37:02
